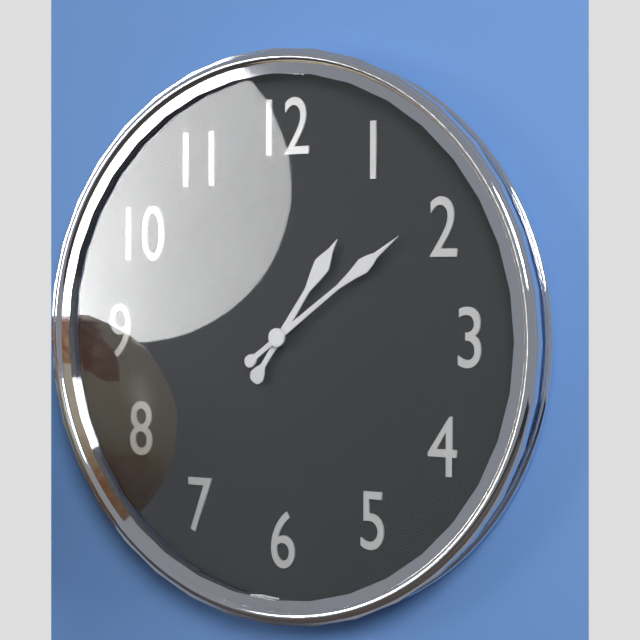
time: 1:09
